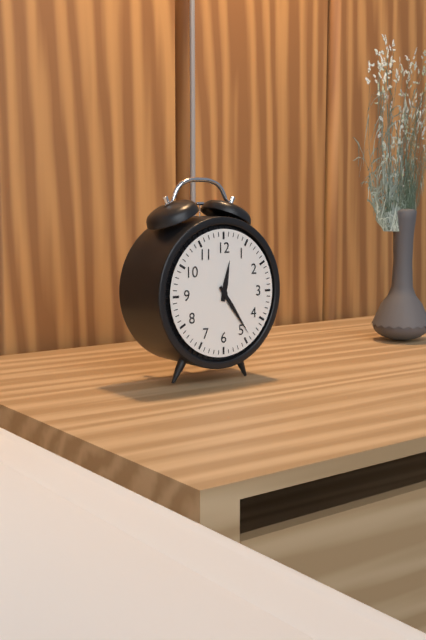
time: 12:24
